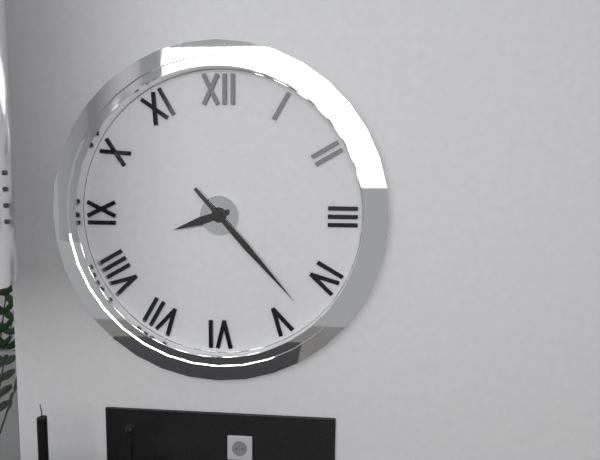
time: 8:23
